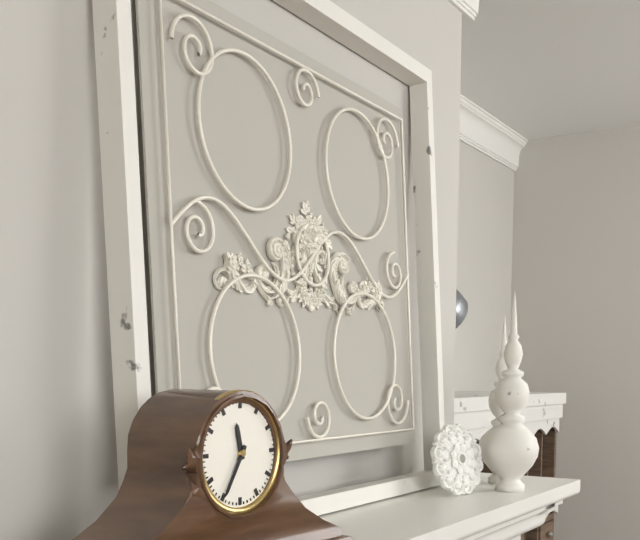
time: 11:35
